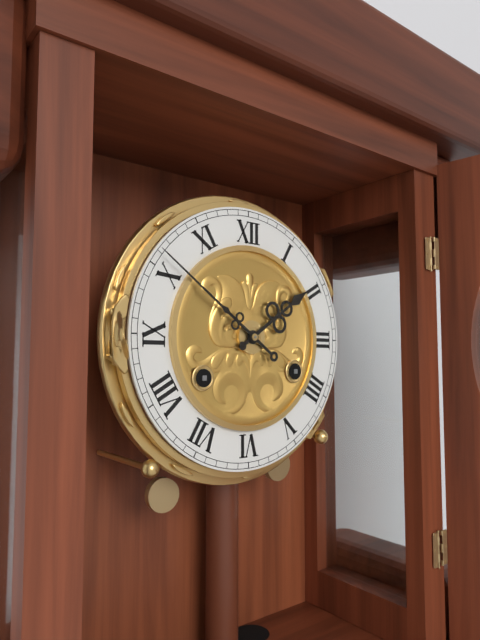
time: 1:51
